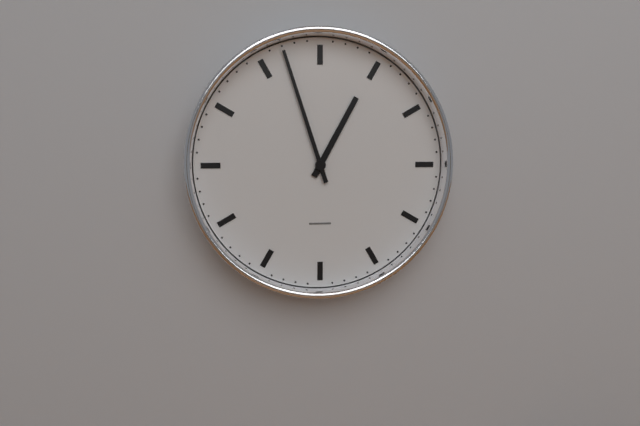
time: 12:57
